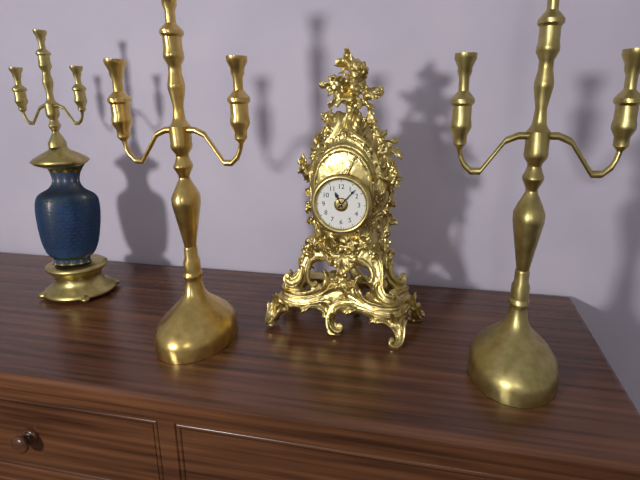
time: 11:07
